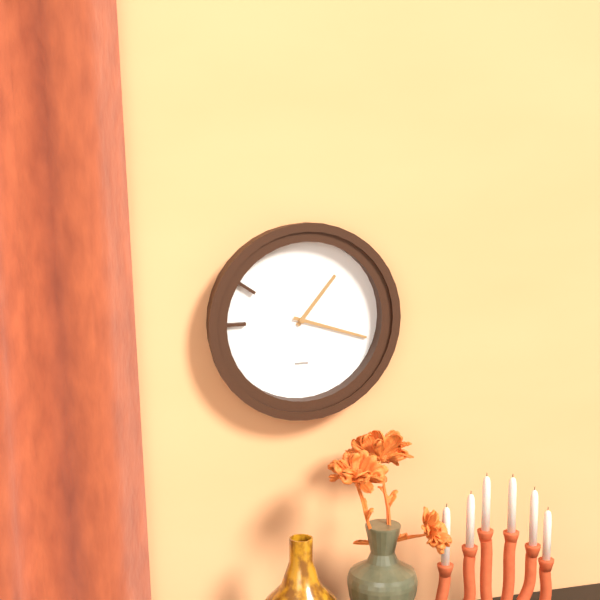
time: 1:18
